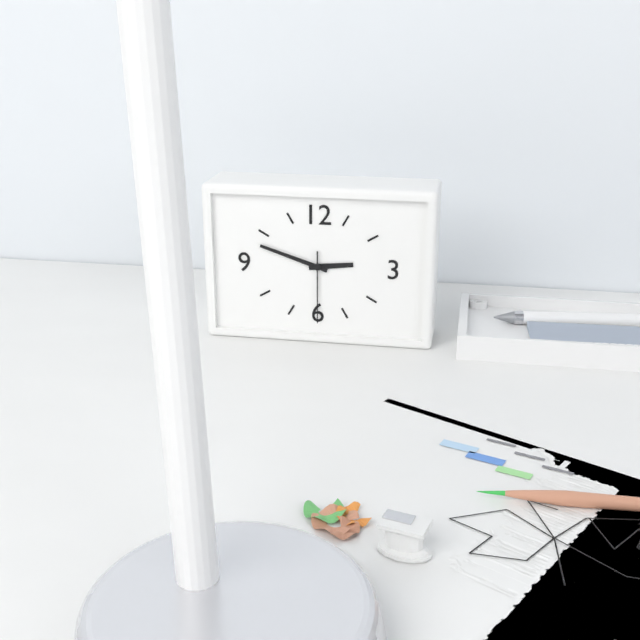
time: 2:48:30
